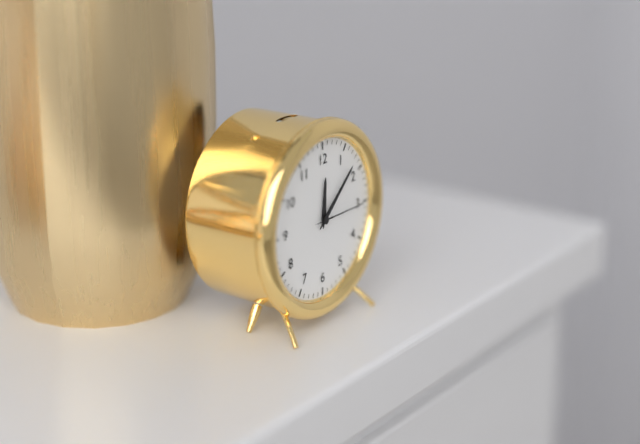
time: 12:08:15
